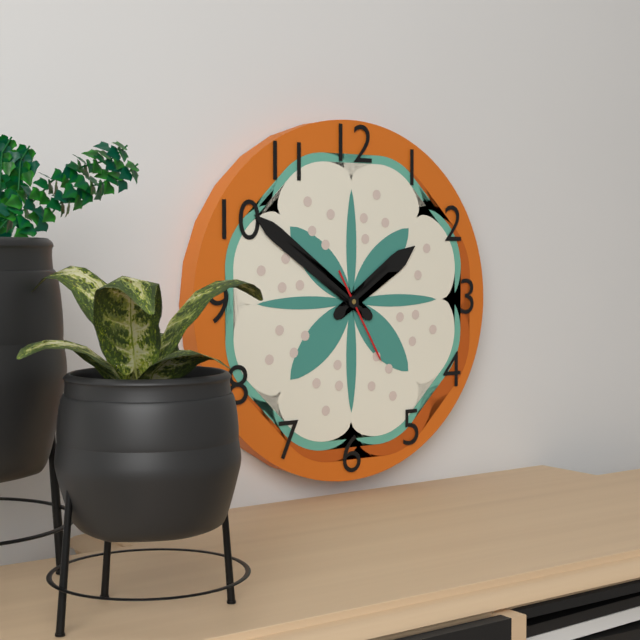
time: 1:51:25
